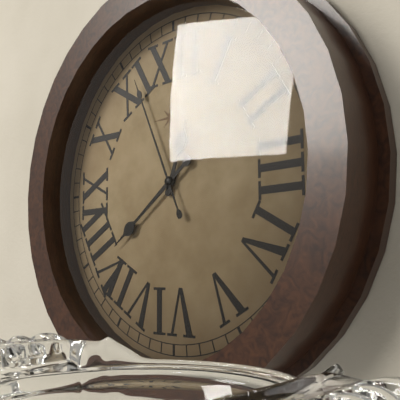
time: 12:39:56
